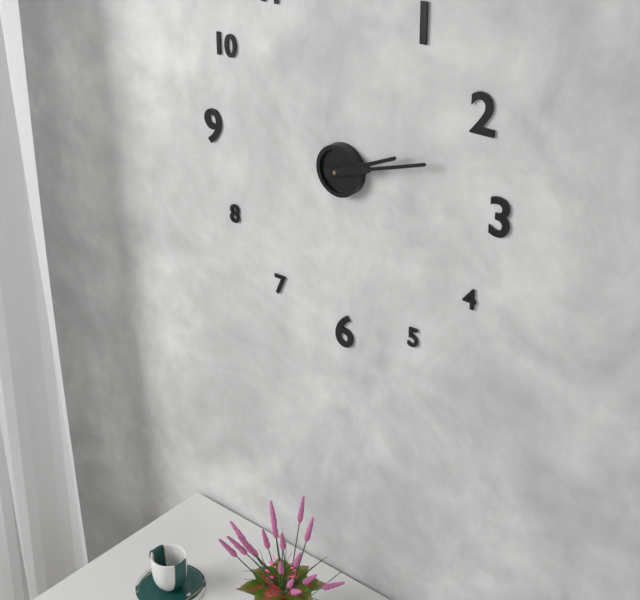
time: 2:12
